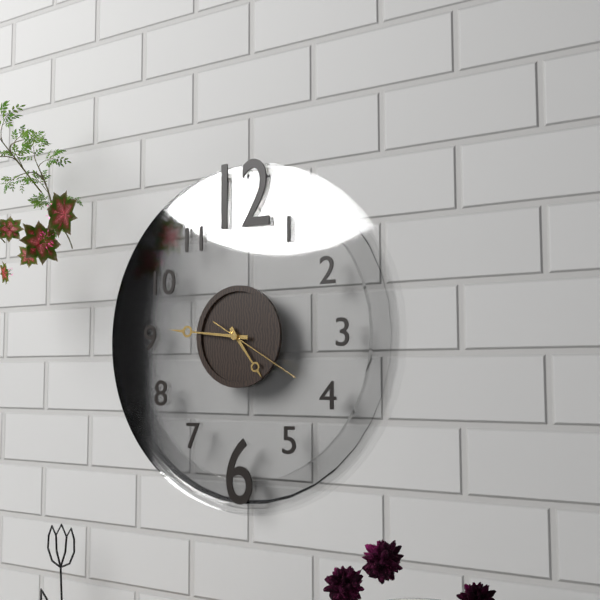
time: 4:46:20
